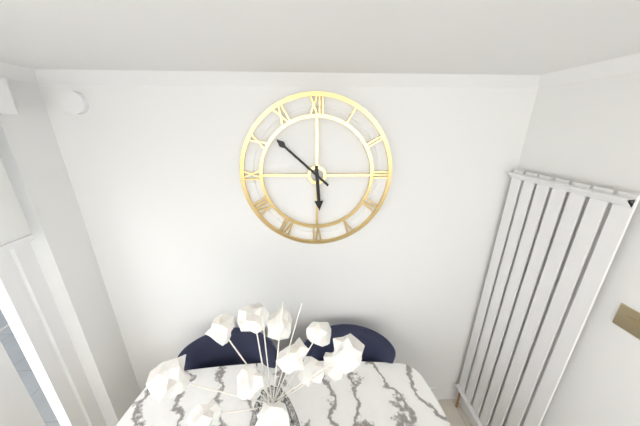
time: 5:52
